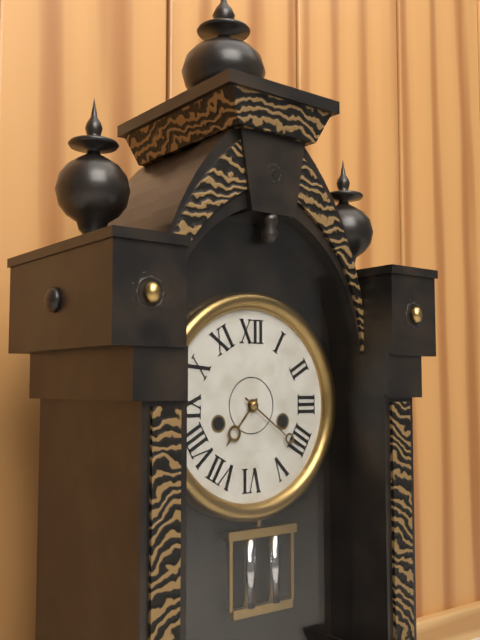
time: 7:21
